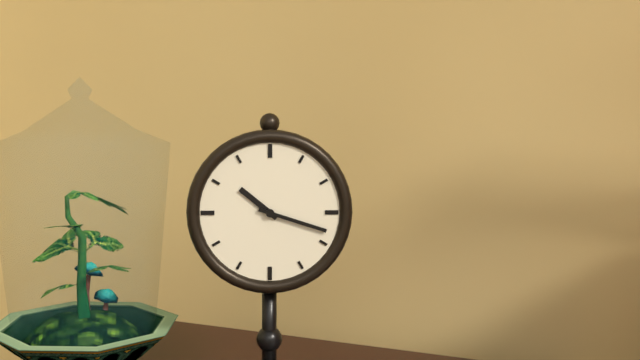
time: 10:18
